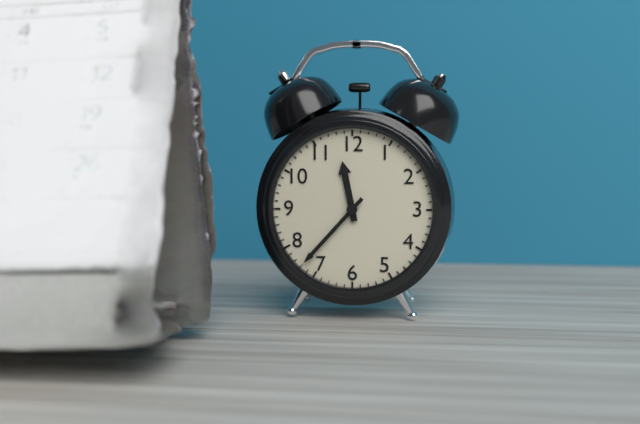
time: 11:37
